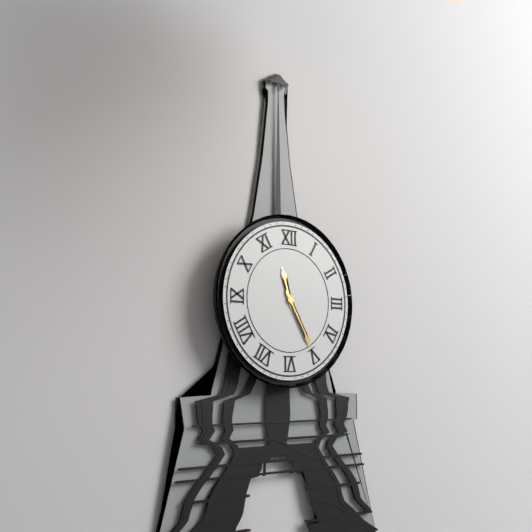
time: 11:25
